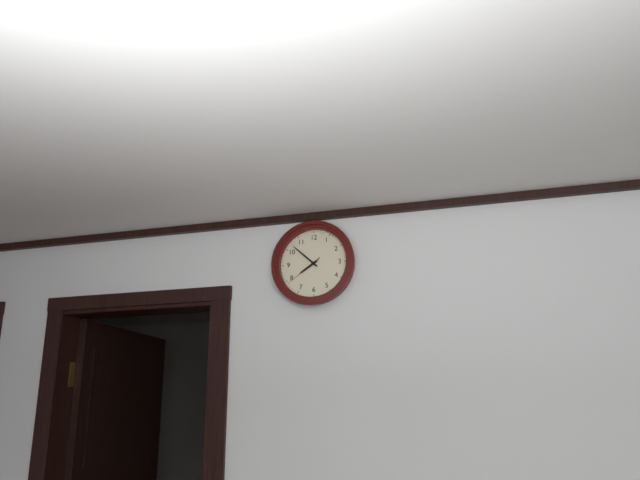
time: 7:52
